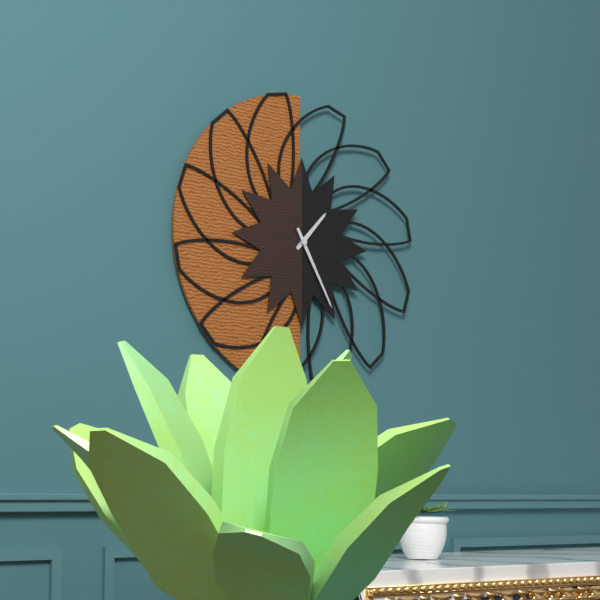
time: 1:25
